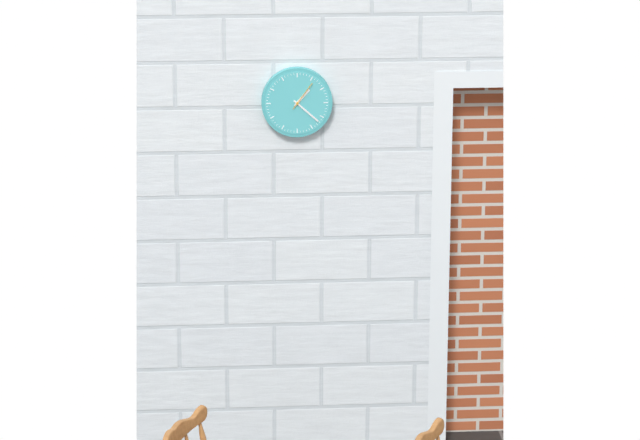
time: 1:22
